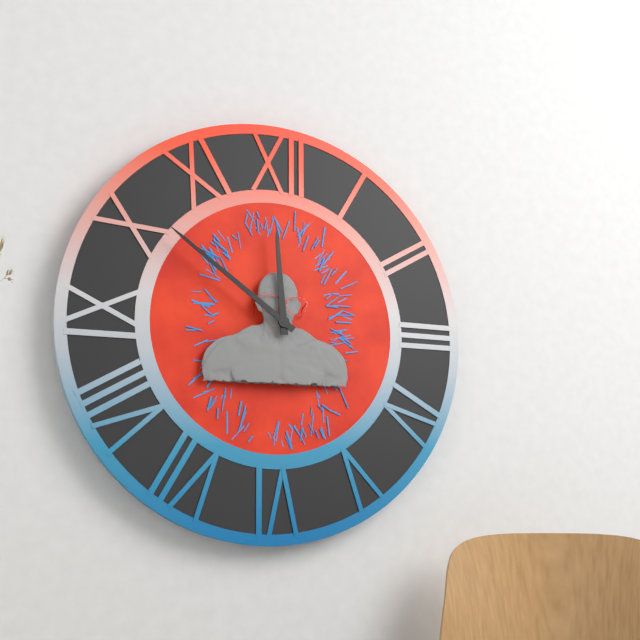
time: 11:51
